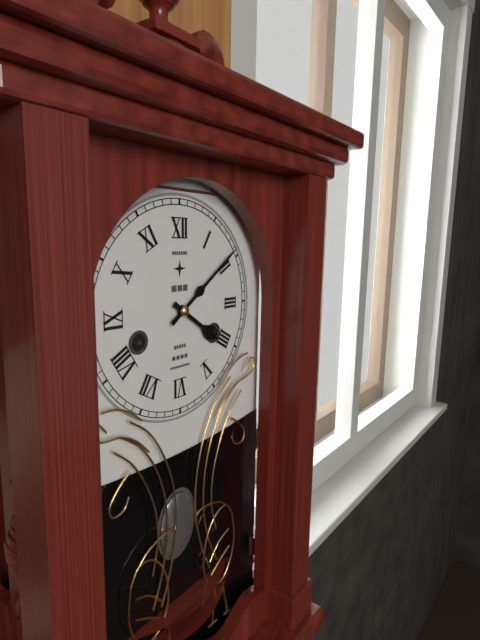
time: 4:09
